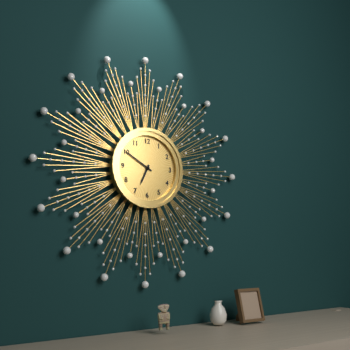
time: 6:50
